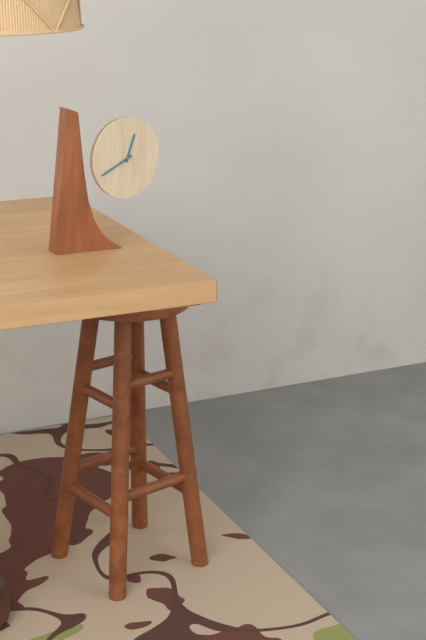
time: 12:41
